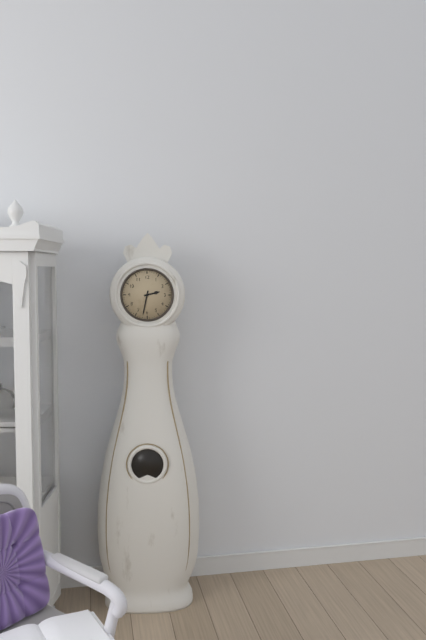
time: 2:32
